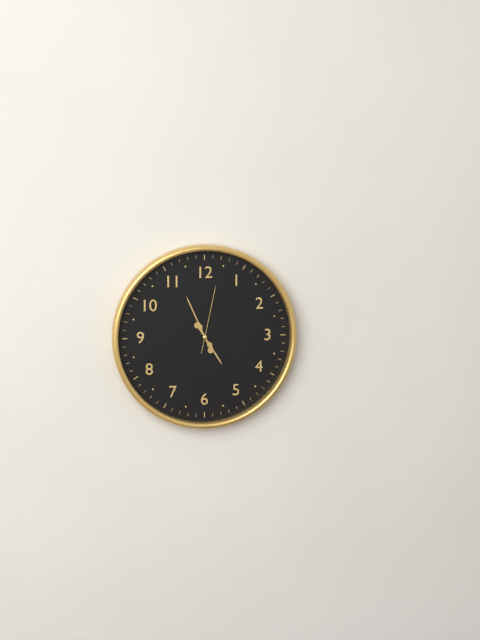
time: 4:56:02
